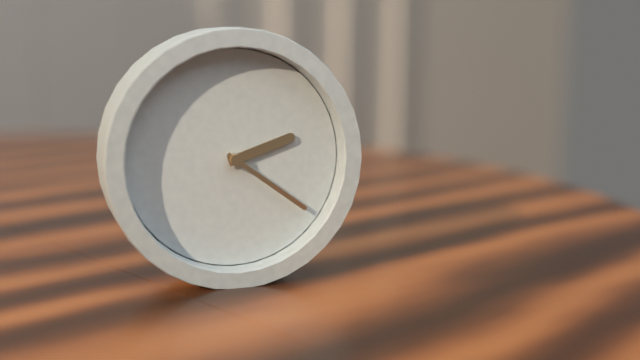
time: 2:21
